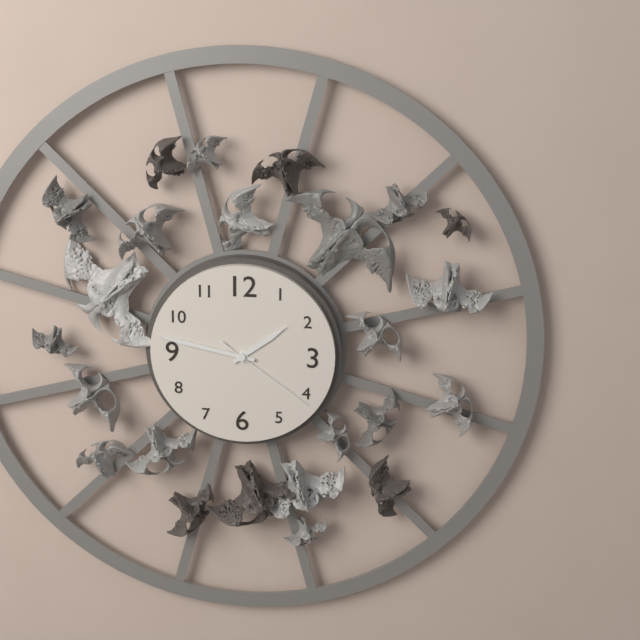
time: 1:47:21
